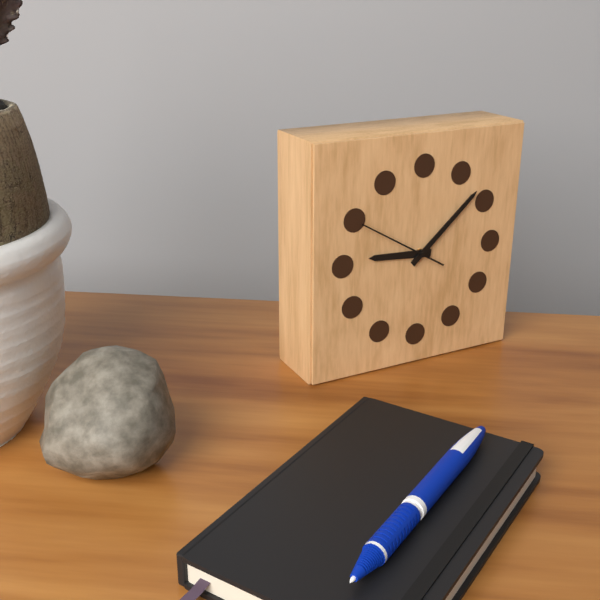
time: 9:08:50
